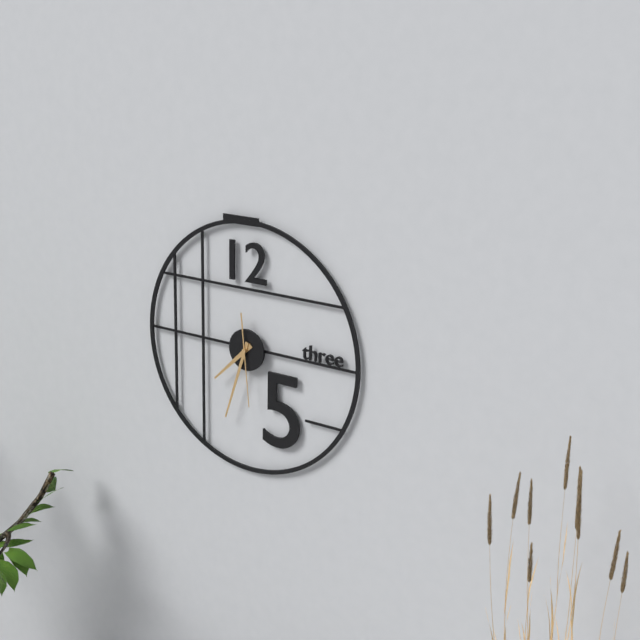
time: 7:33:29
